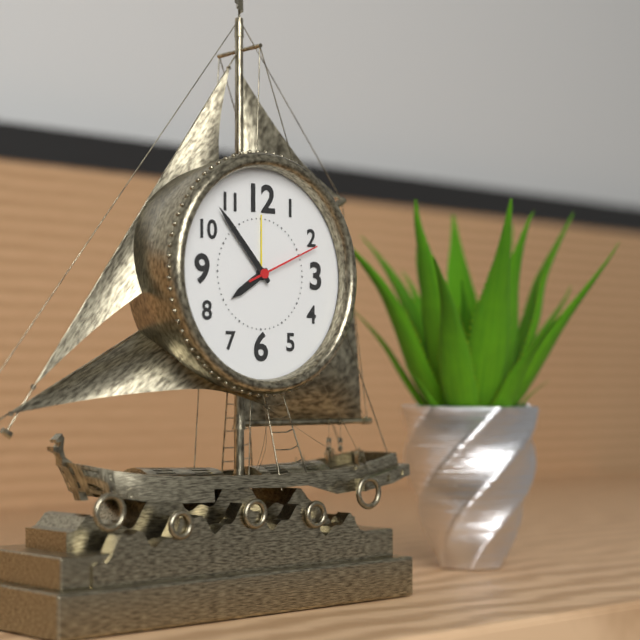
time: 7:53:11
